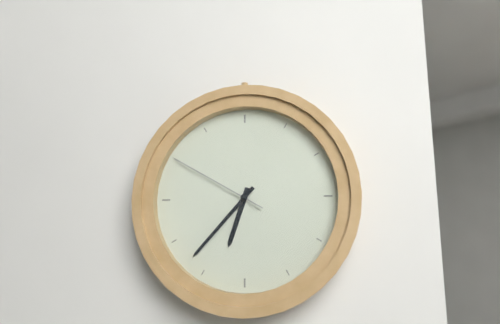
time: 6:37:50
